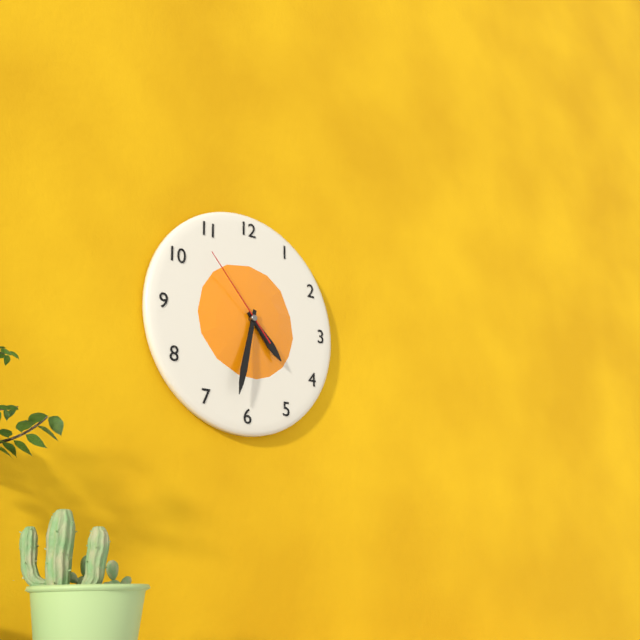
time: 4:32:53
